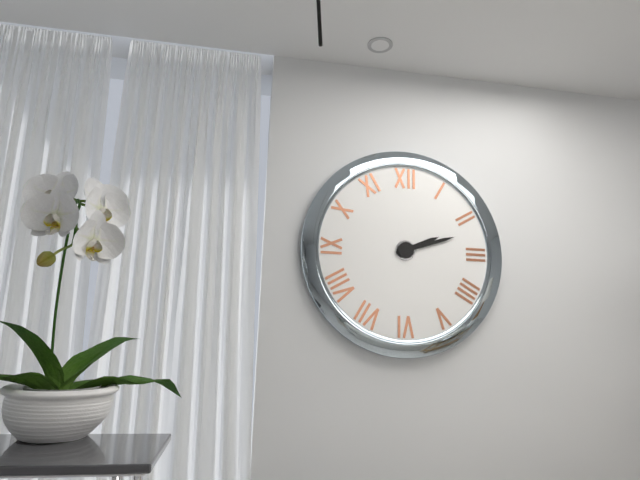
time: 2:12
